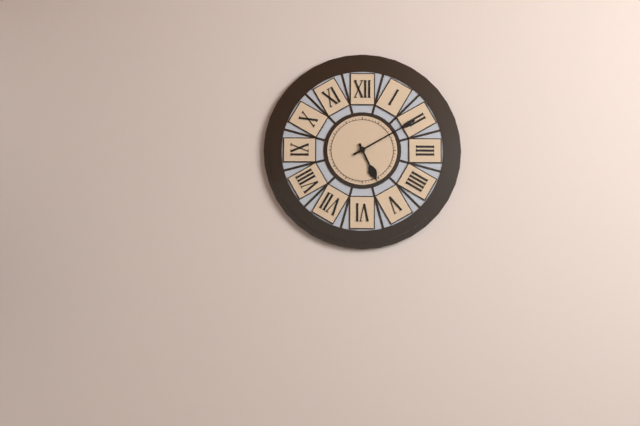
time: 5:10
